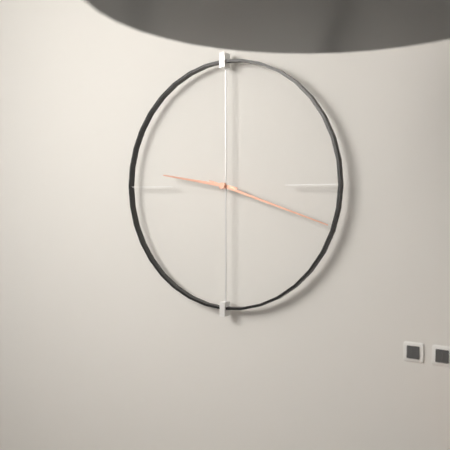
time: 9:18
